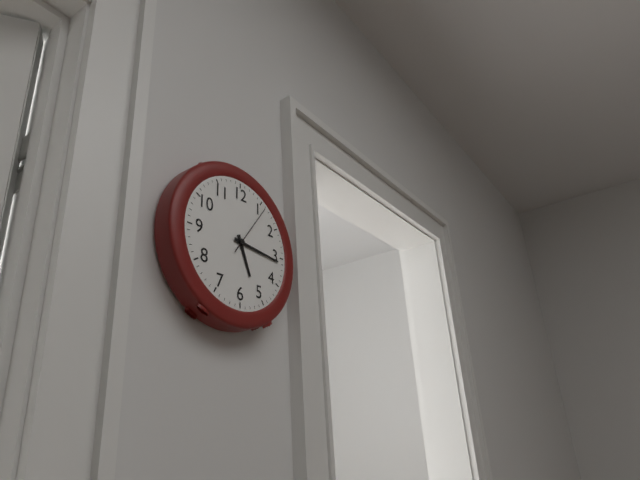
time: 5:16:06
